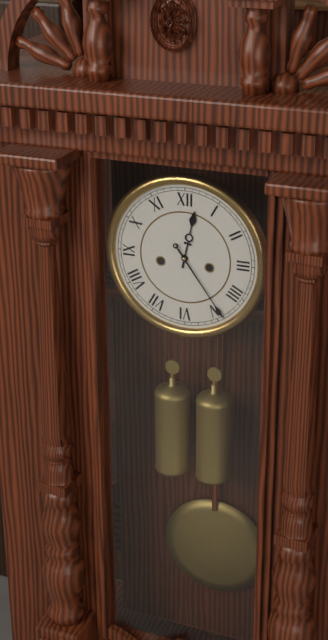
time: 12:24
